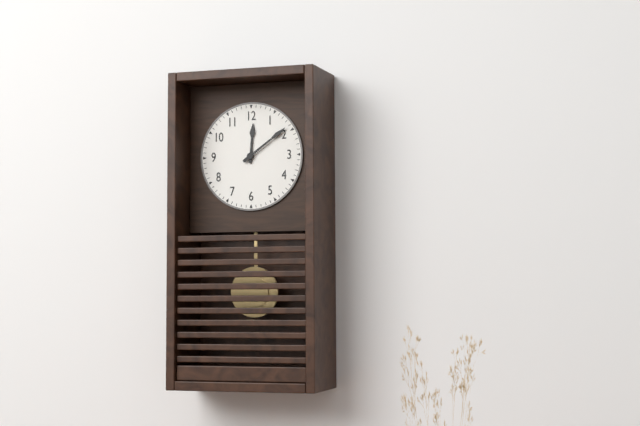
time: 12:09
